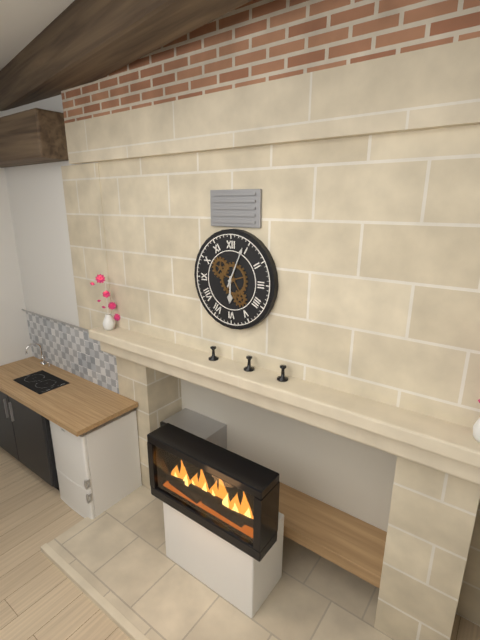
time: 6:04
